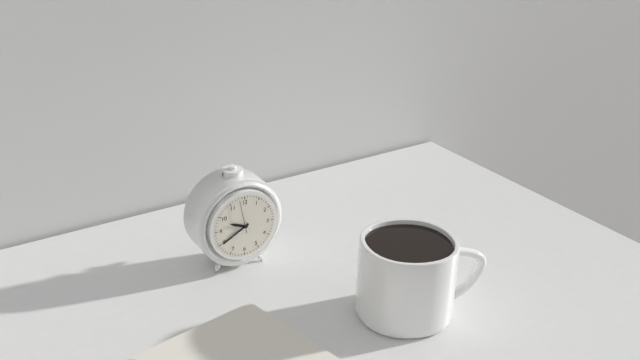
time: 9:40
